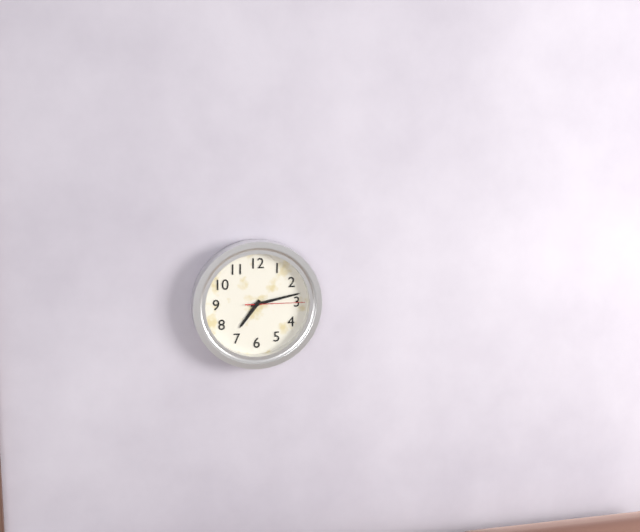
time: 7:13:15
